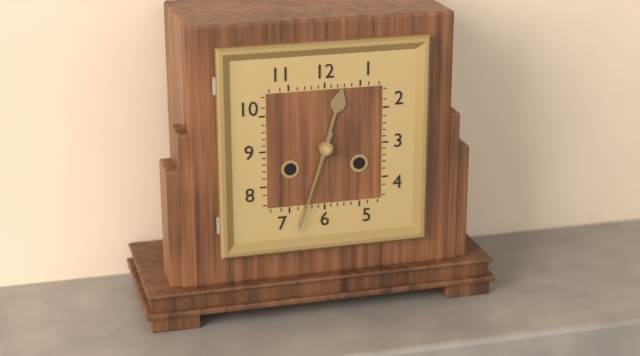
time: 12:33
